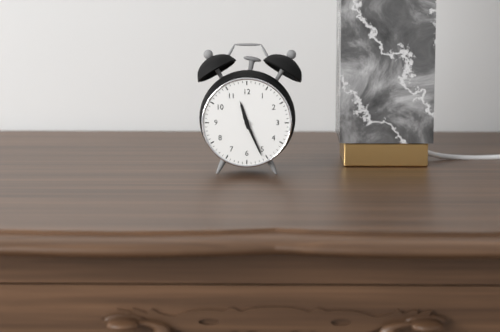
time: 11:26
